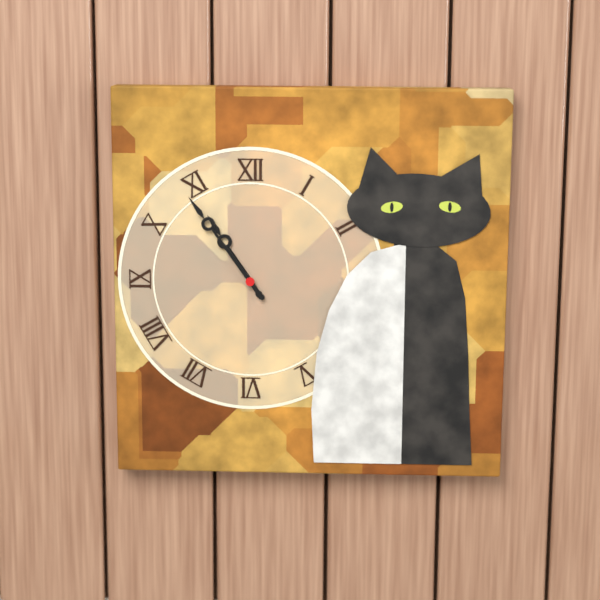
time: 10:54
